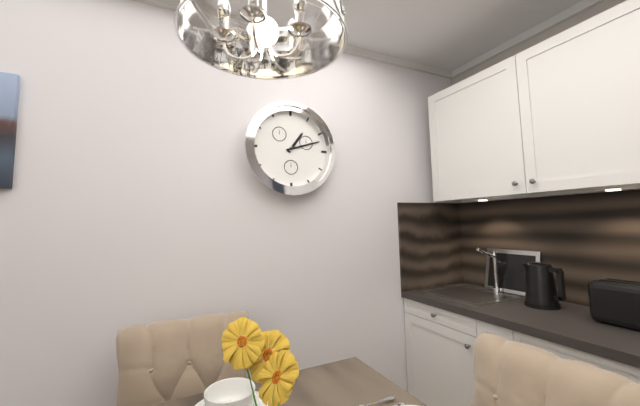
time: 1:12
